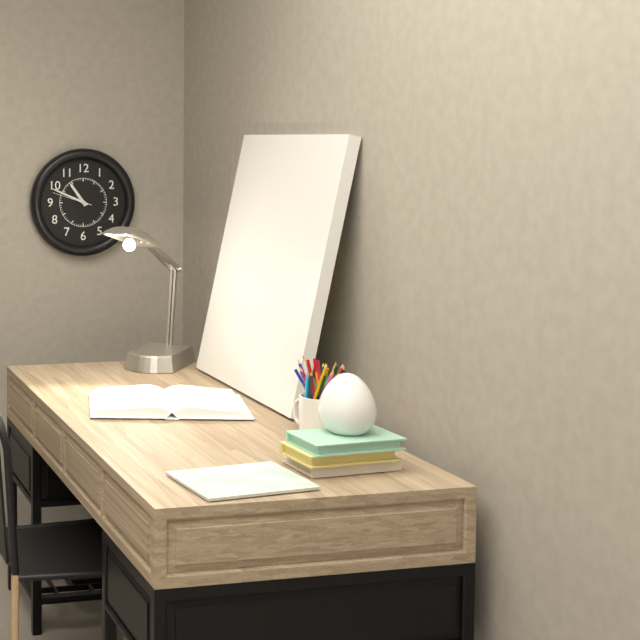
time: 10:49
